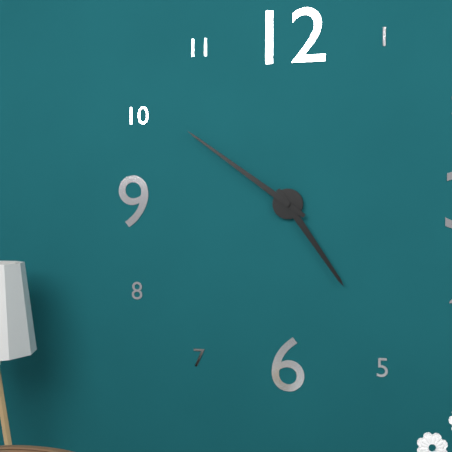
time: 4:51
